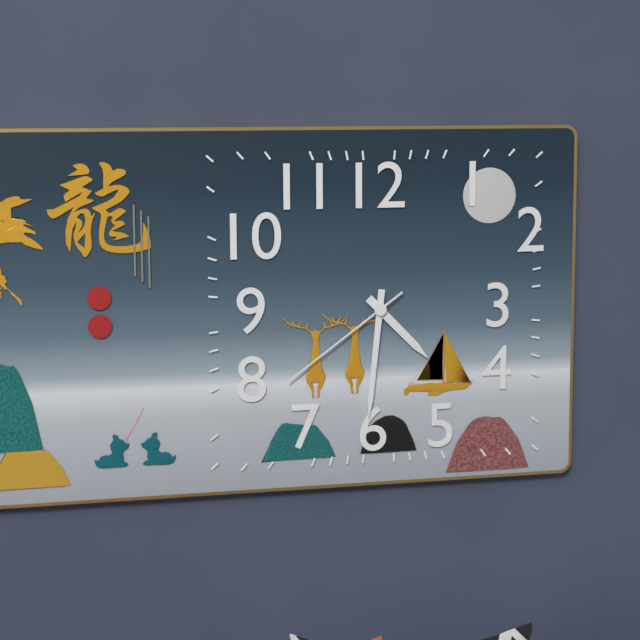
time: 4:31:39
